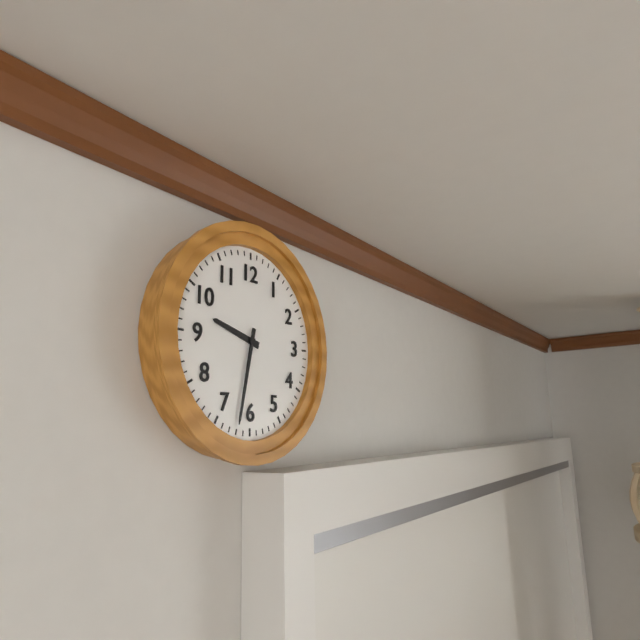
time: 9:32
